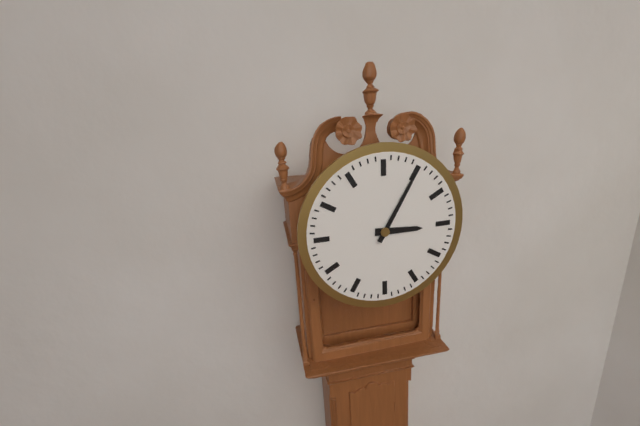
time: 3:05
